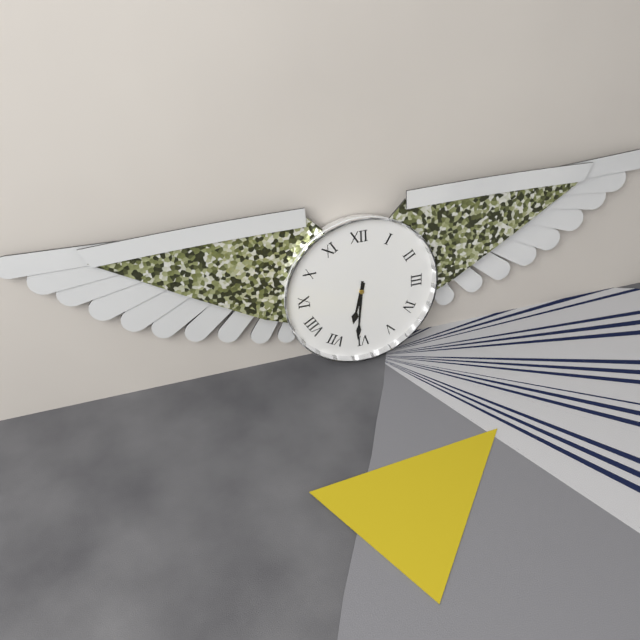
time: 6:31
